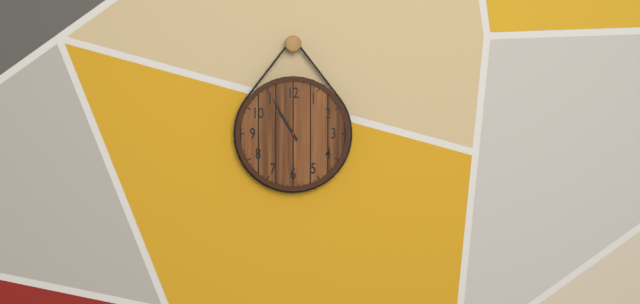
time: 10:55
